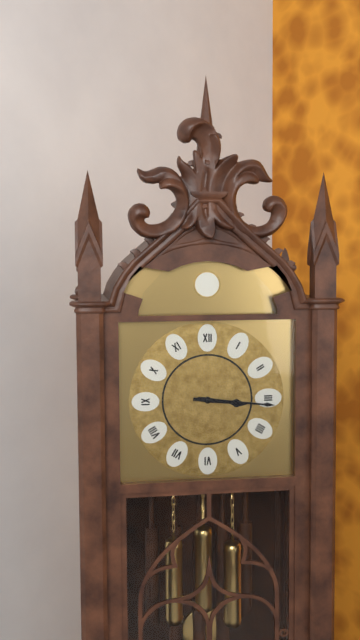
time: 3:16
